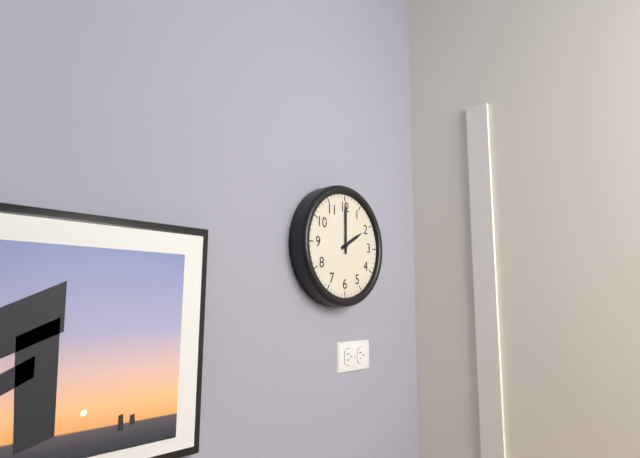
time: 2:00
